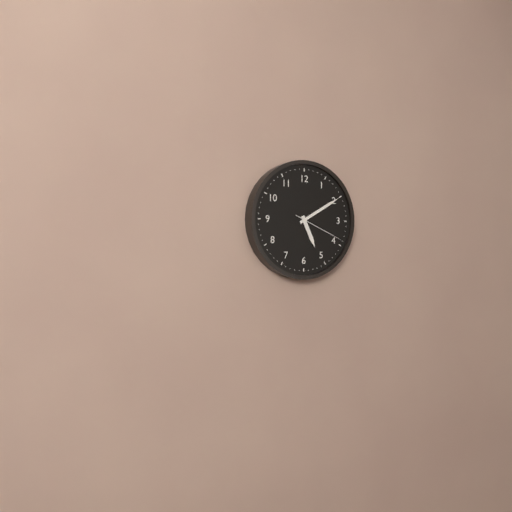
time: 5:10:19
